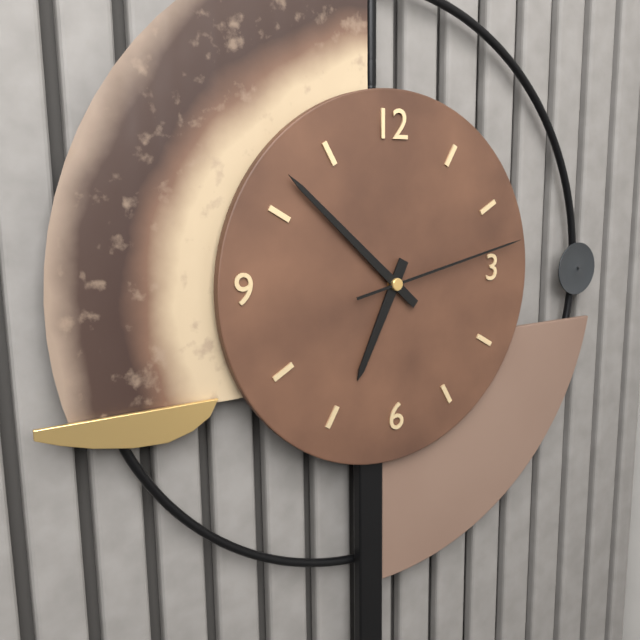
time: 6:52:13
